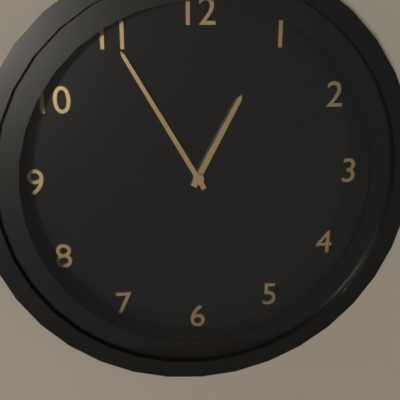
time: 12:55
